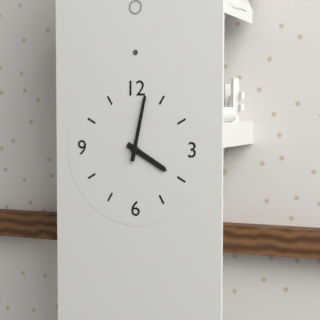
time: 4:02
